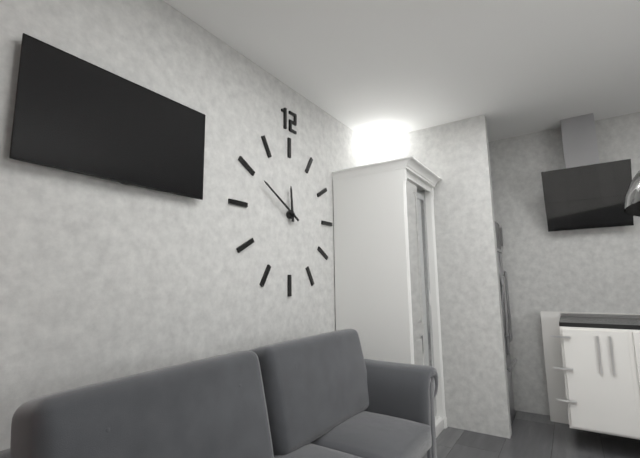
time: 11:50
